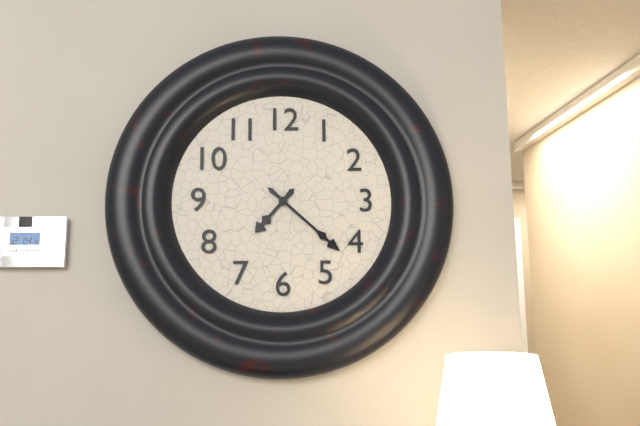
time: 7:22
